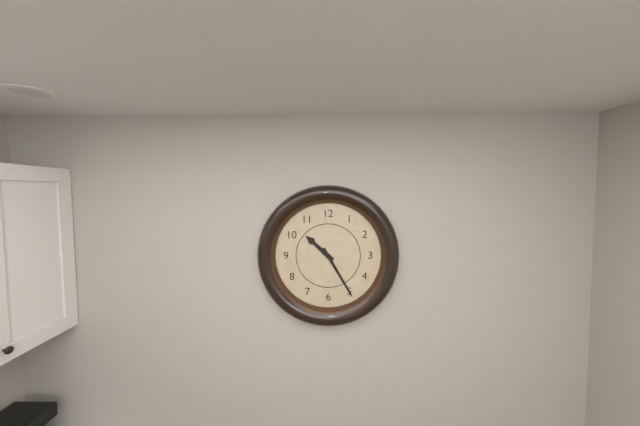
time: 10:25
